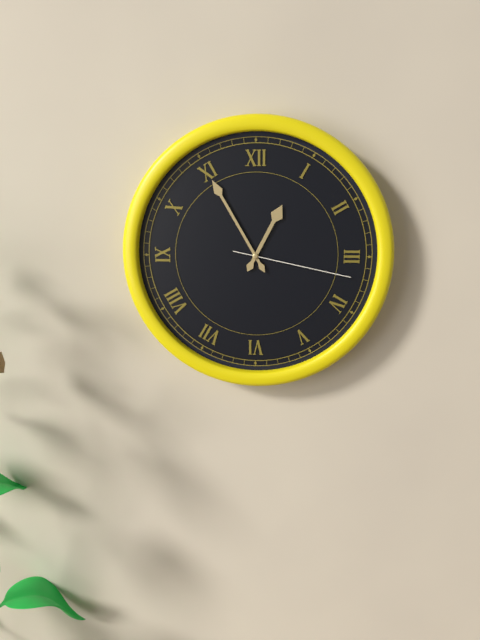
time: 12:55:17
